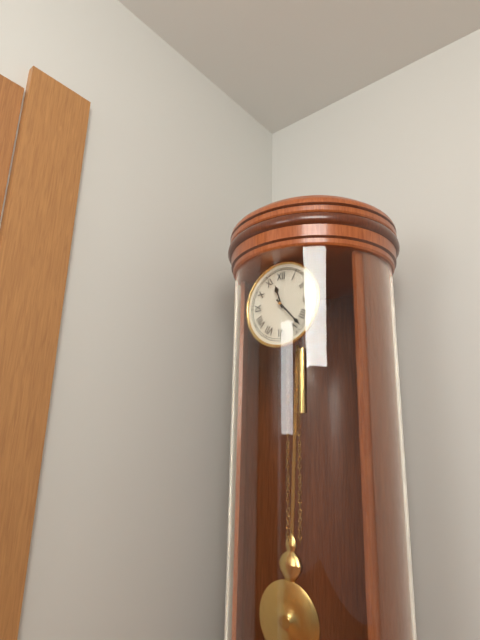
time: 11:23
